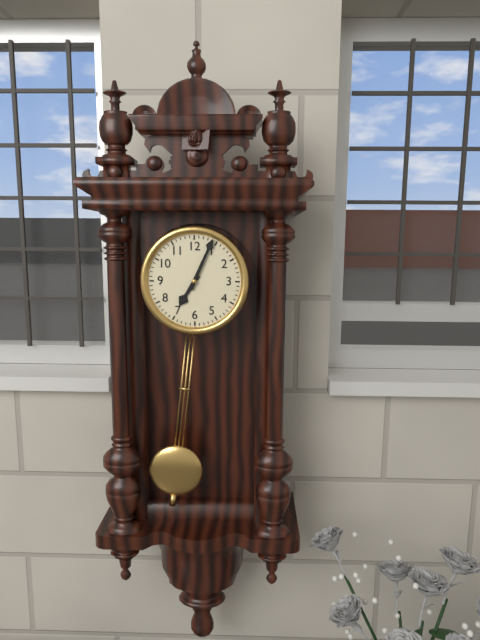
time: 7:04
